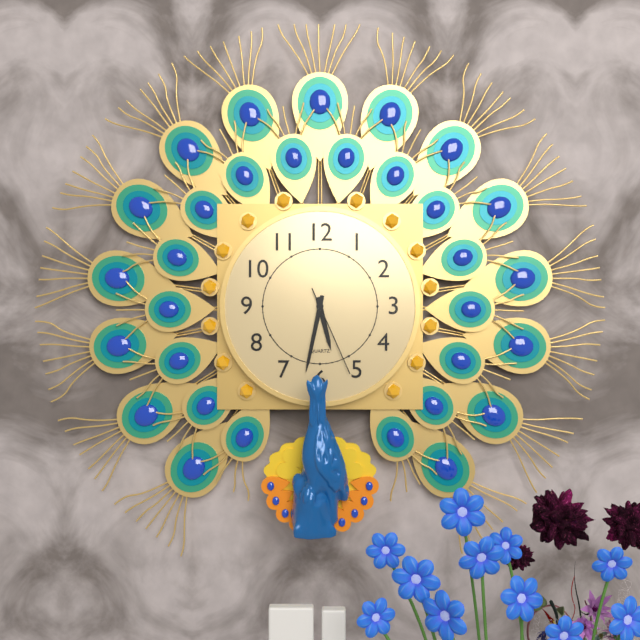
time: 5:32:26
